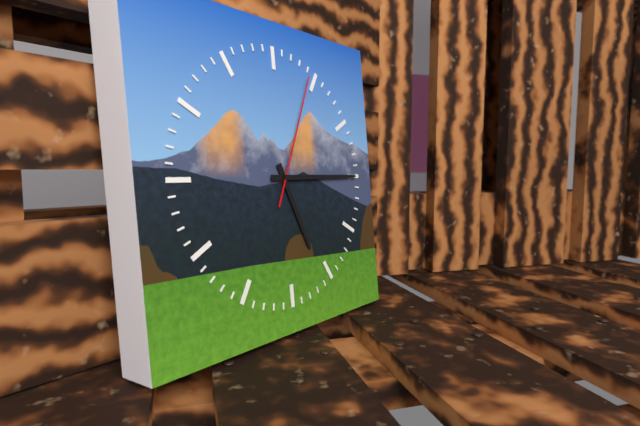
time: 5:15:04
